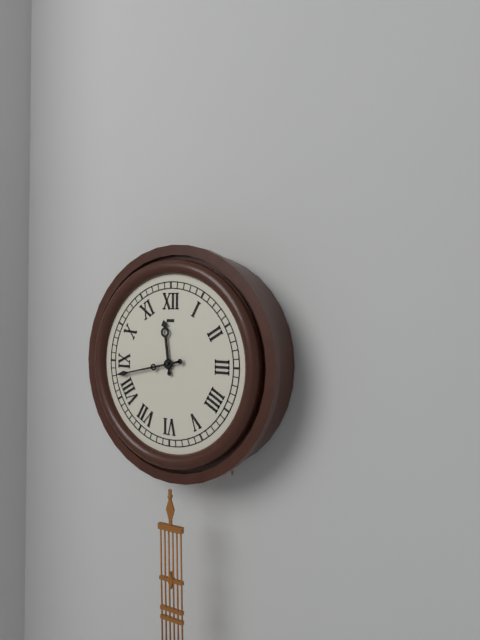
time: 11:43
